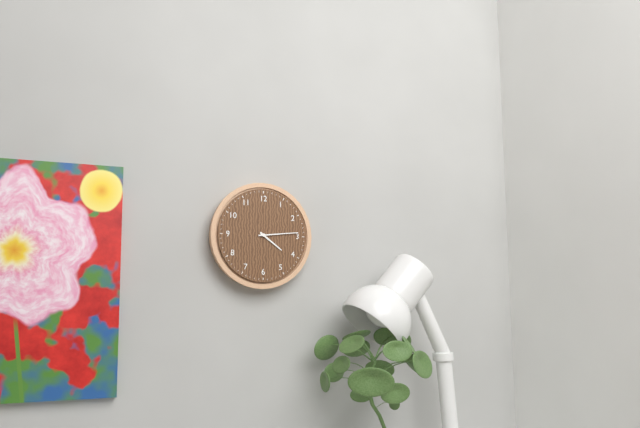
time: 4:14
